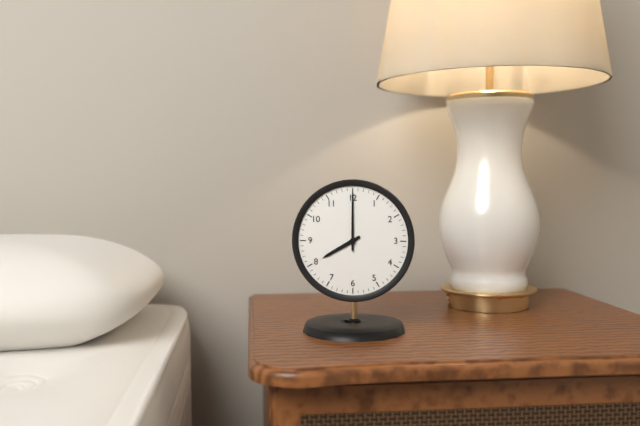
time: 8:00
